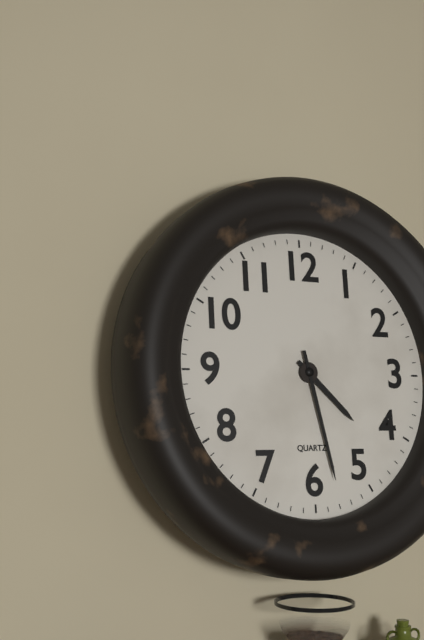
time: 4:28
